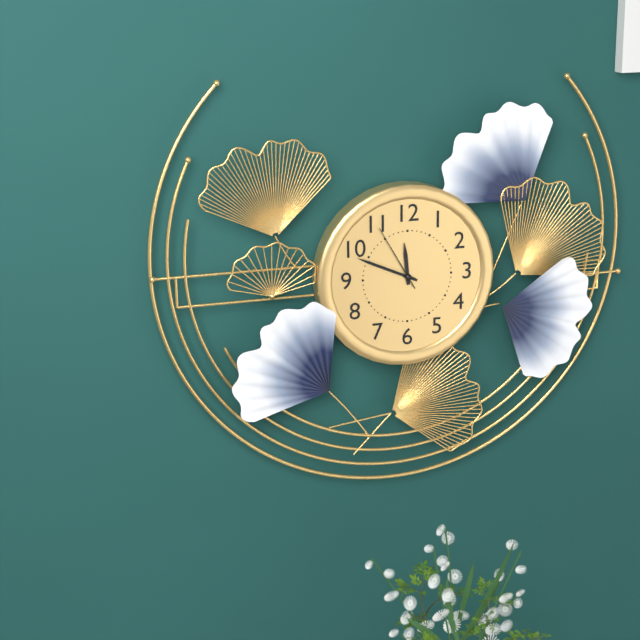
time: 11:49:55
